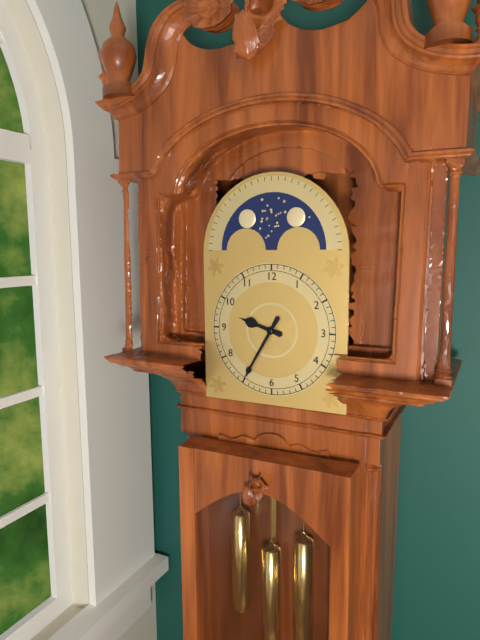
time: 9:35
